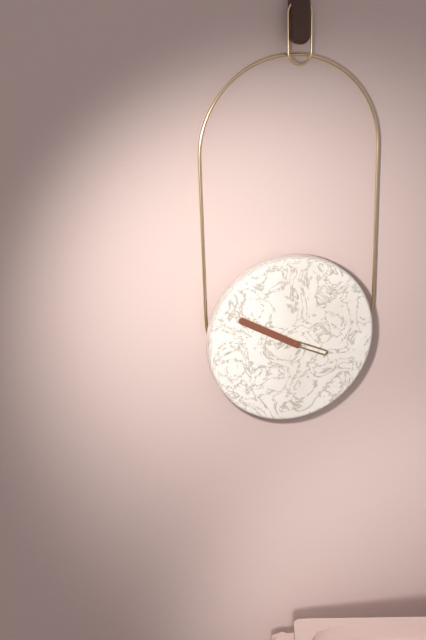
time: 3:50
